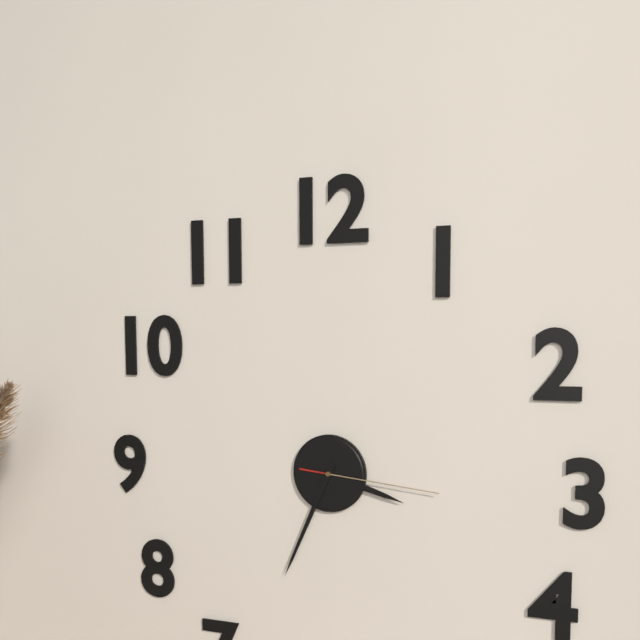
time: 3:34:16
